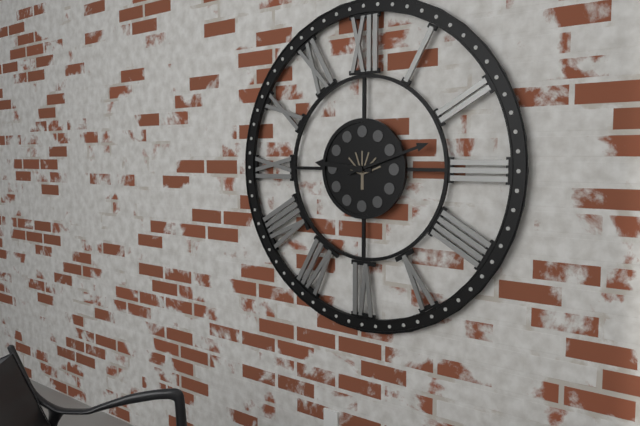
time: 9:12
